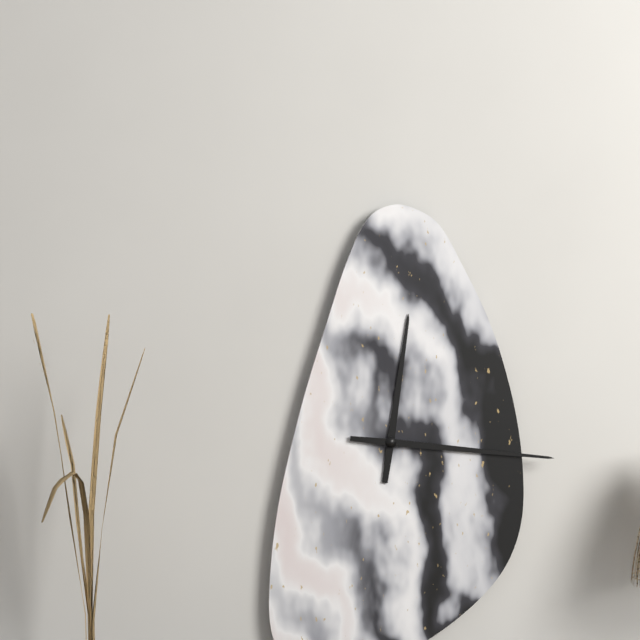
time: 12:16
